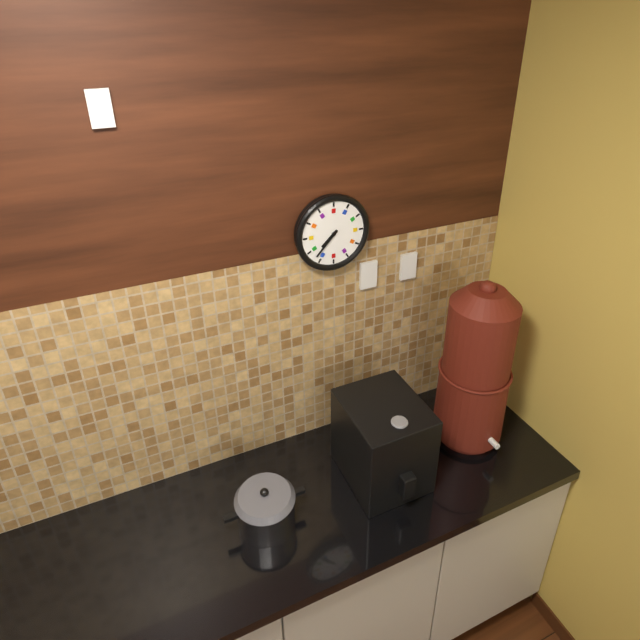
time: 7:37
